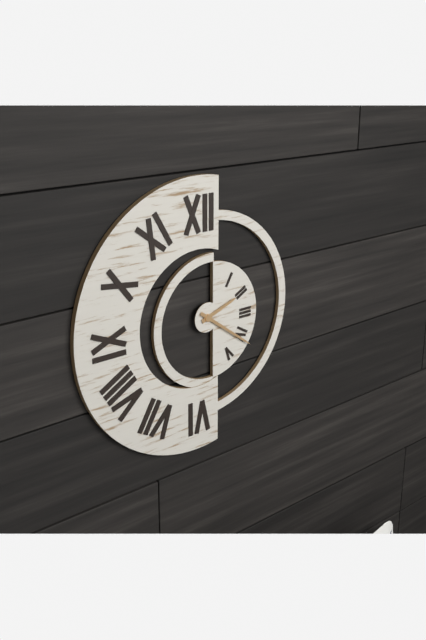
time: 2:21
